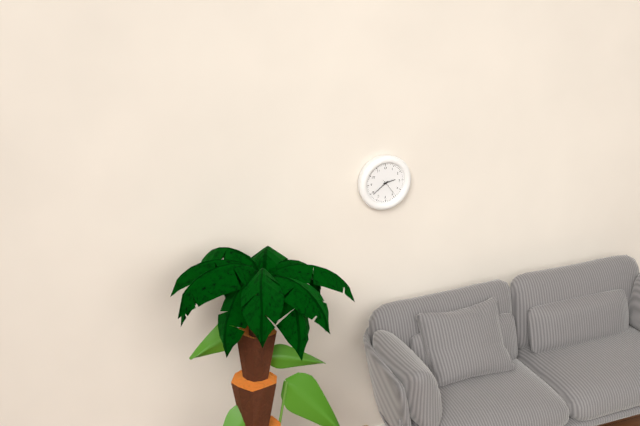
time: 2:39
